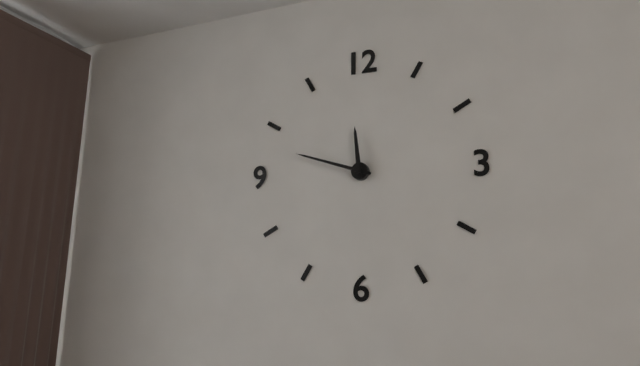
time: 11:48
